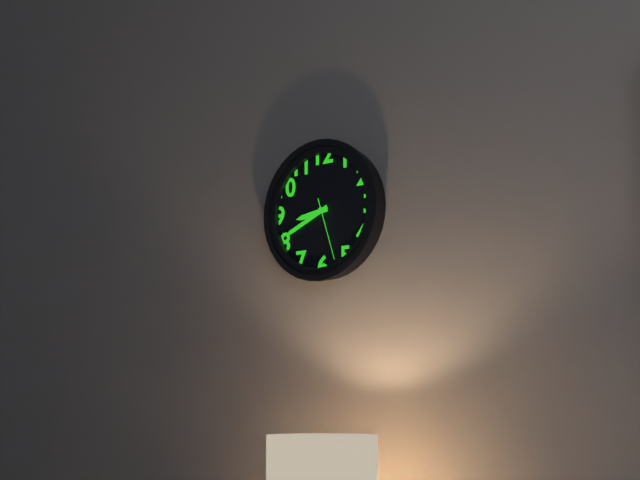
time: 8:41:27
